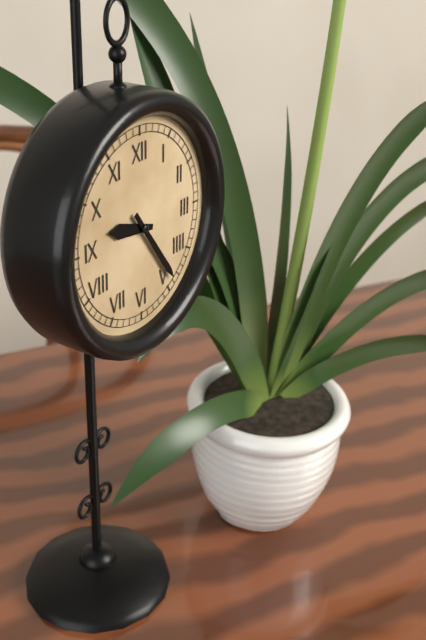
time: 9:24
